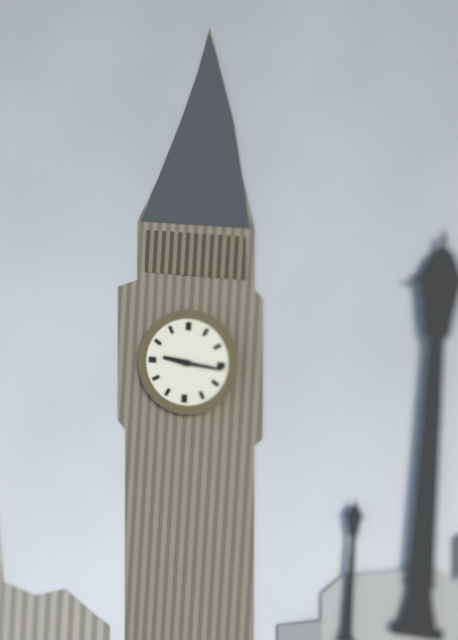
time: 9:16
